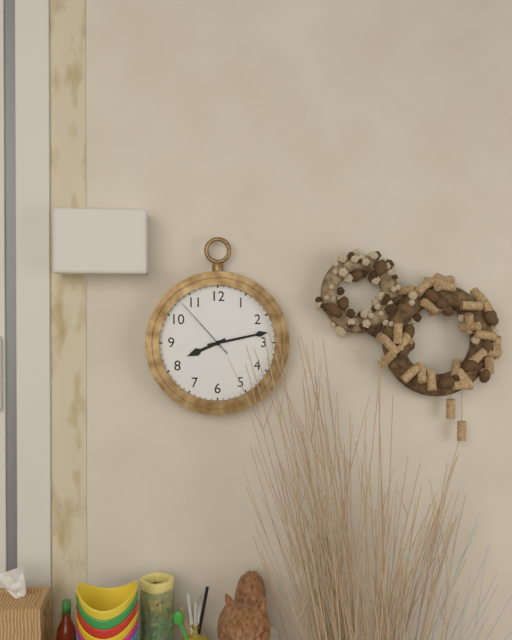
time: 8:13:53
